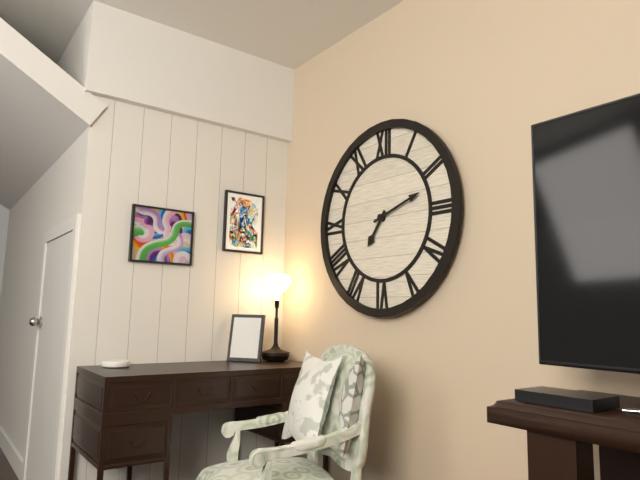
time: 7:12
